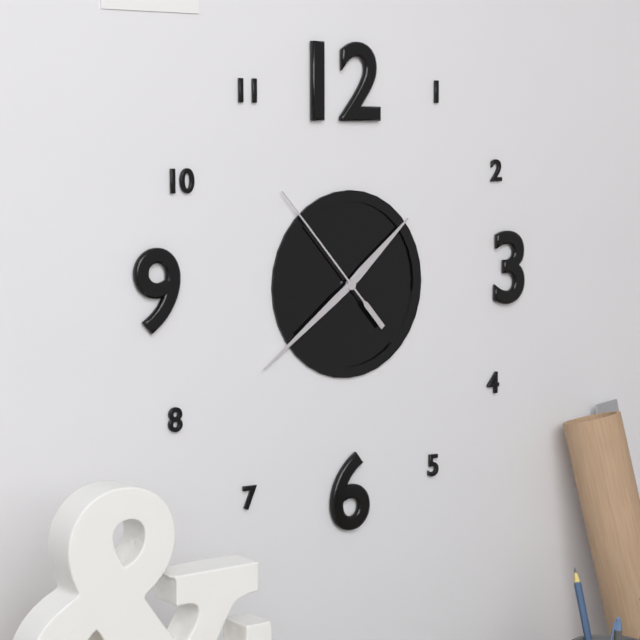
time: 1:39:53
